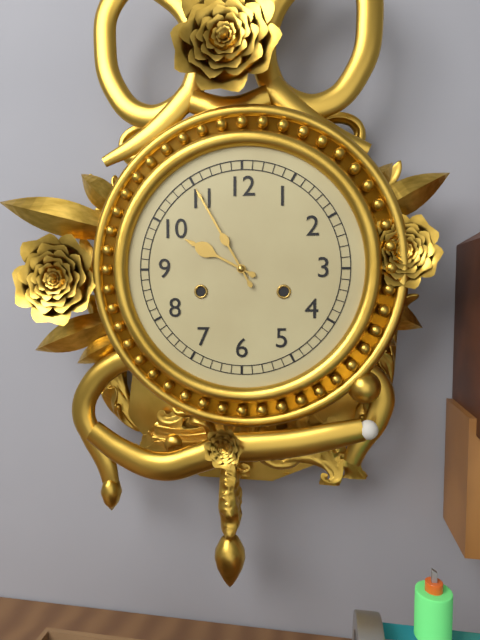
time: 9:55
